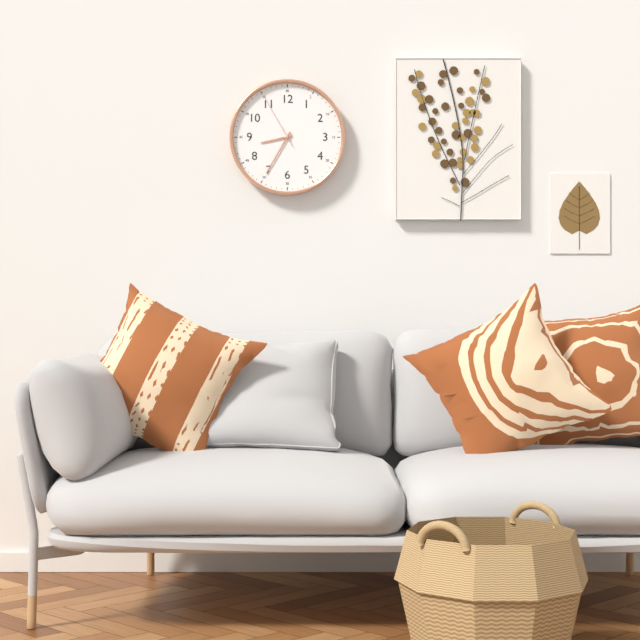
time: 8:35:55
